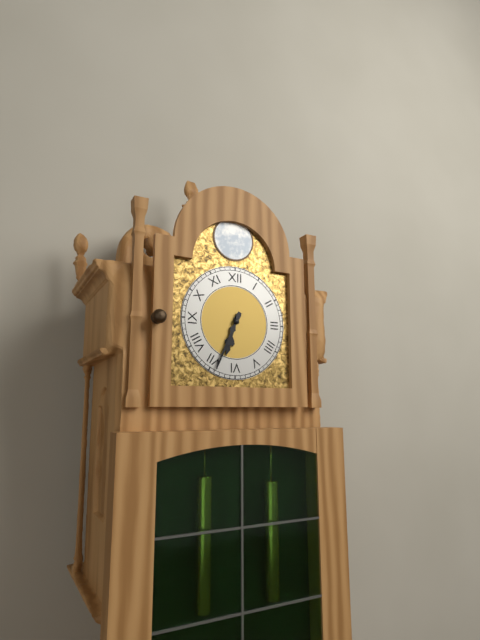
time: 6:34
